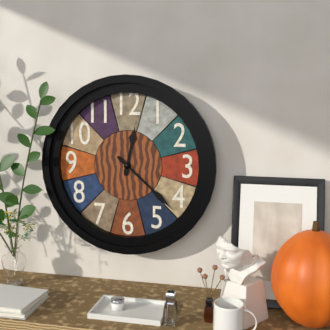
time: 12:22
